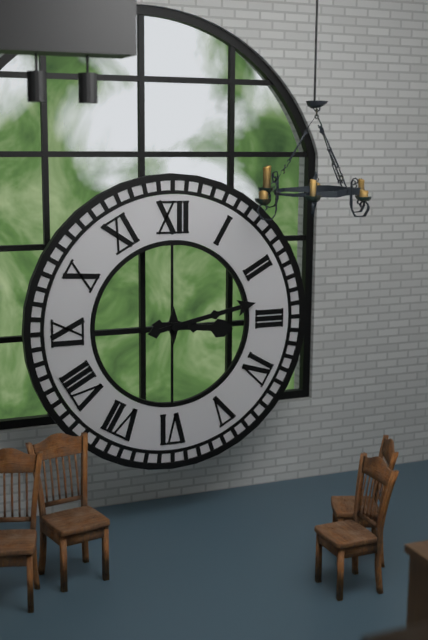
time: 3:13
